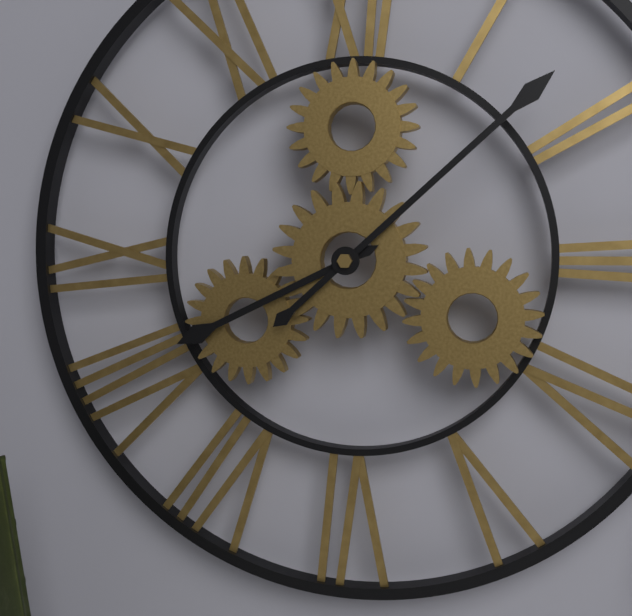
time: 8:08
